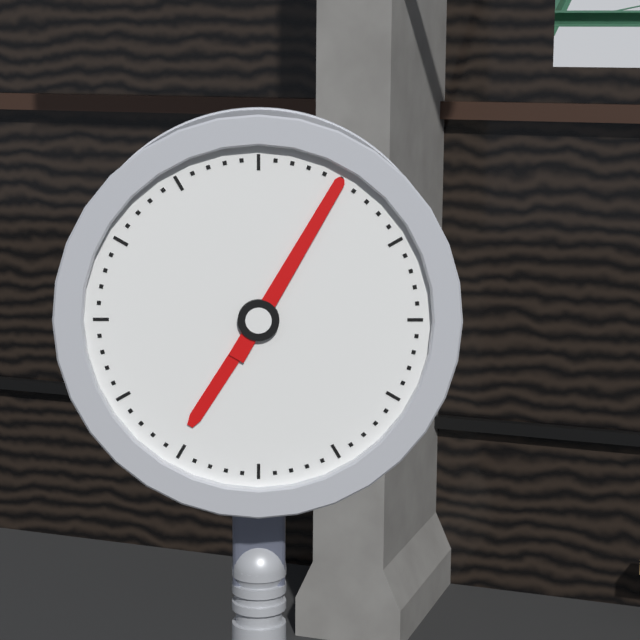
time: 7:05
